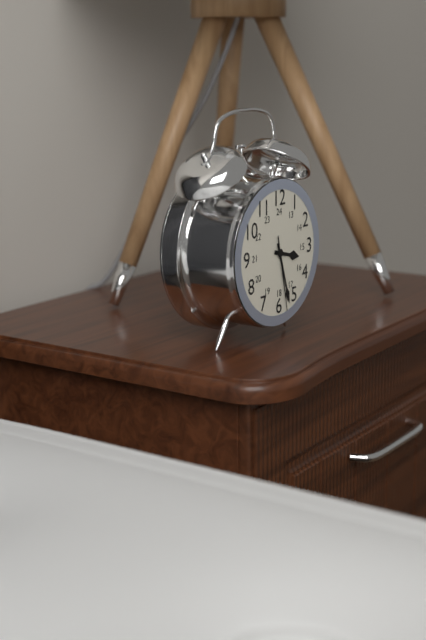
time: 3:27:28
